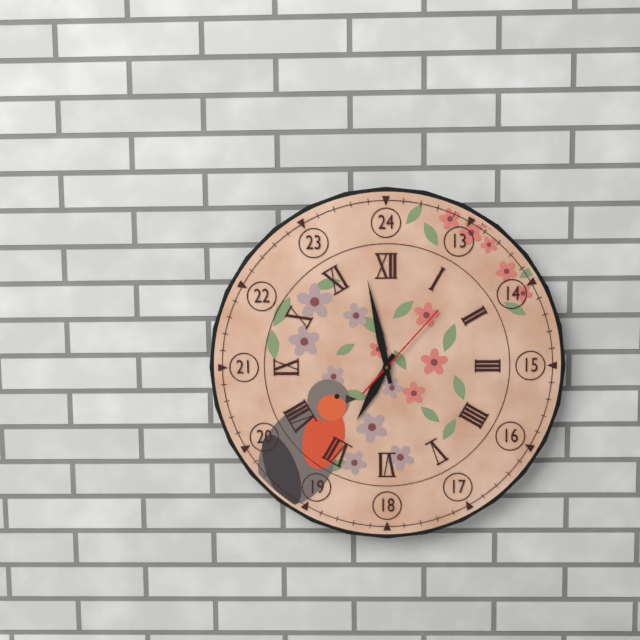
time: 6:58:07
